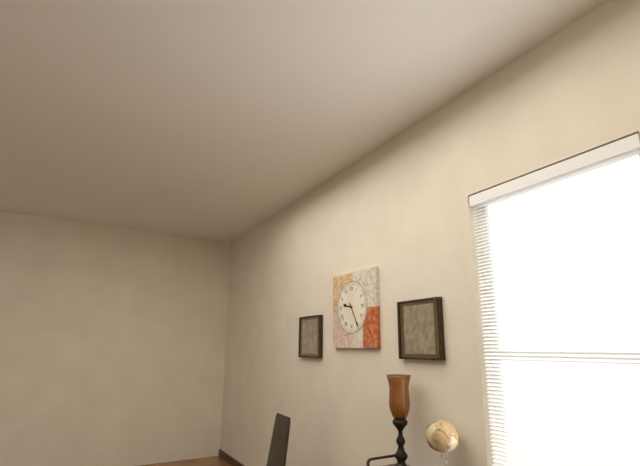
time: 9:25
